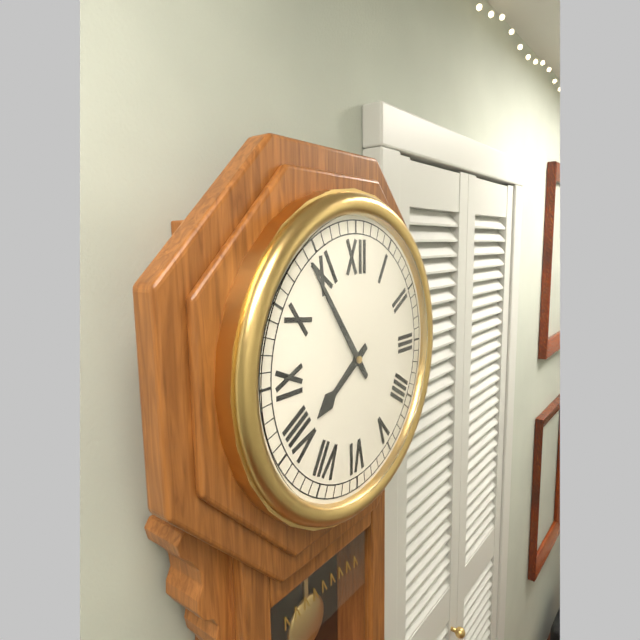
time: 7:54
